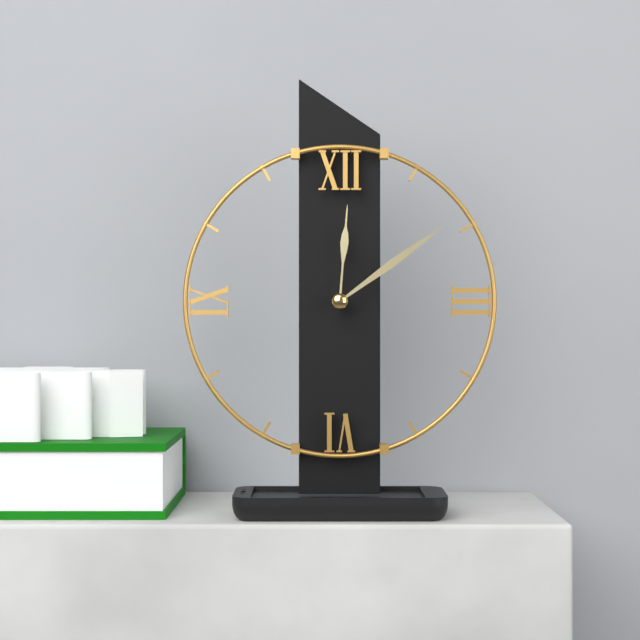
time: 12:09
